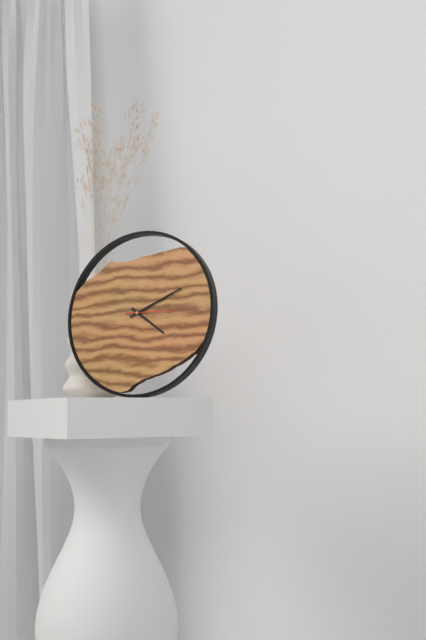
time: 4:11
